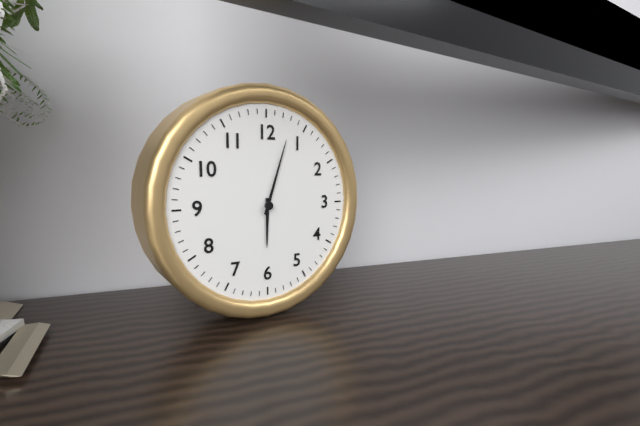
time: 6:03
